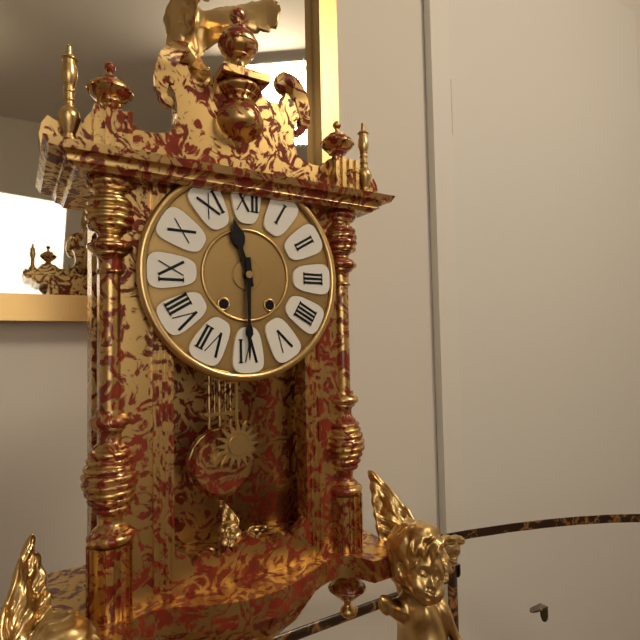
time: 11:30
